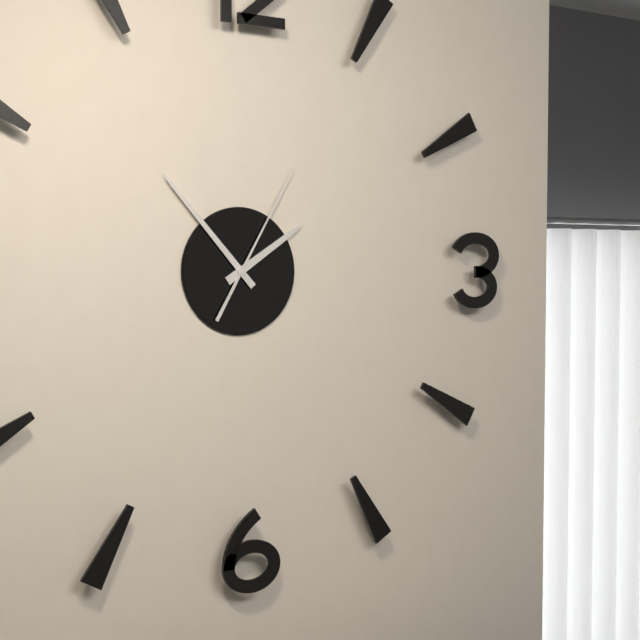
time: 1:53:05
